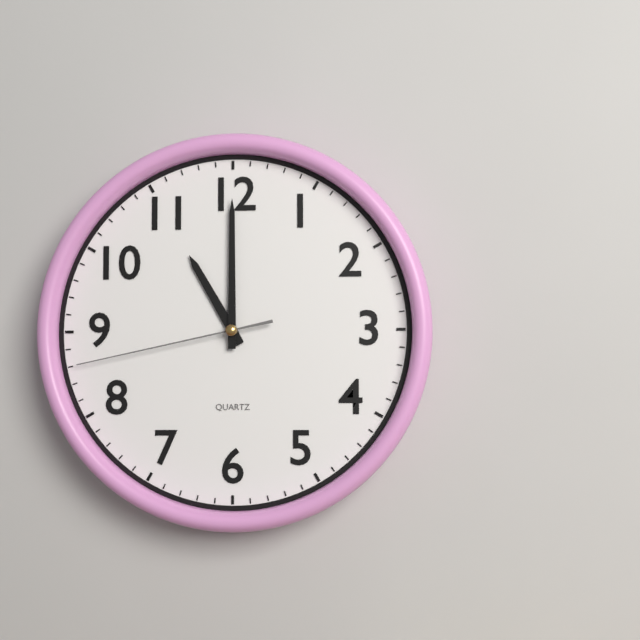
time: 11:00:43
